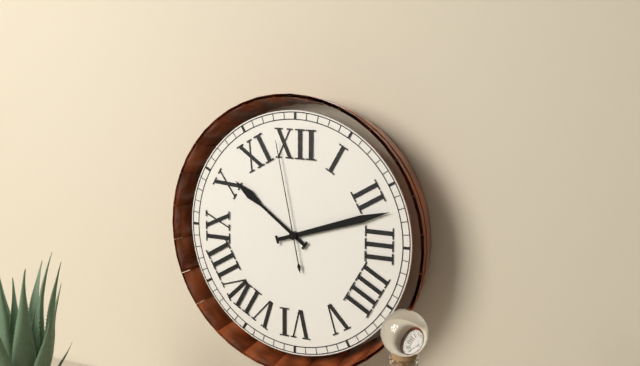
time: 10:12:58
